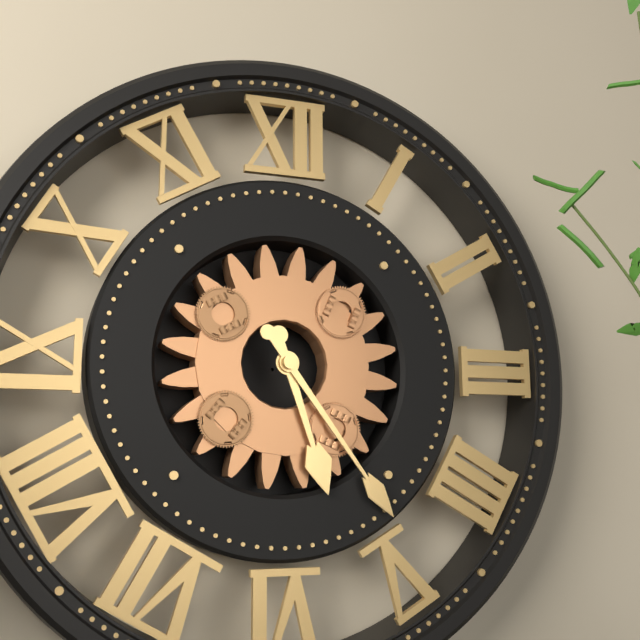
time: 5:24
